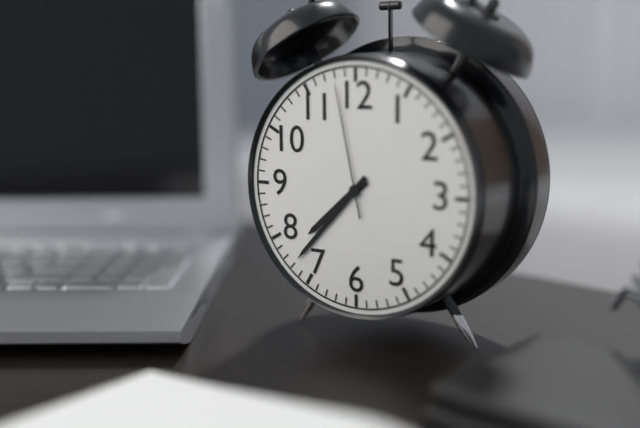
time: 7:37:58
